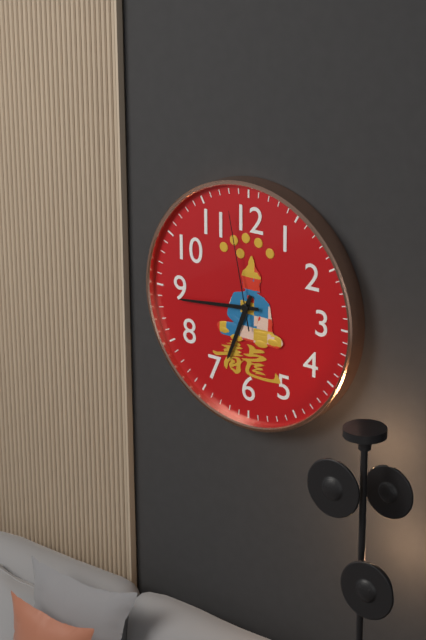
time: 6:44:58
